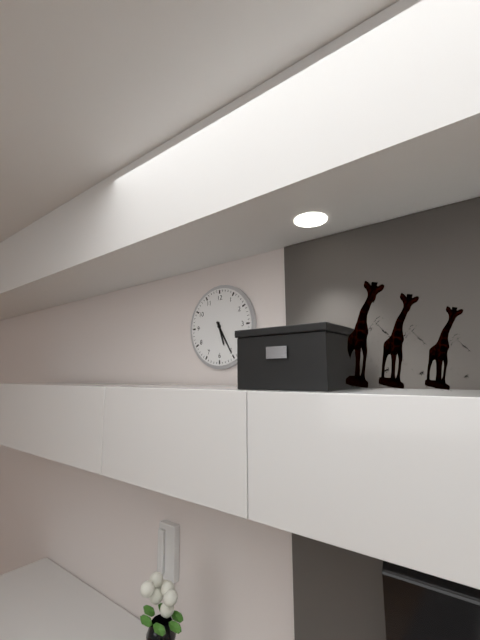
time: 5:25
